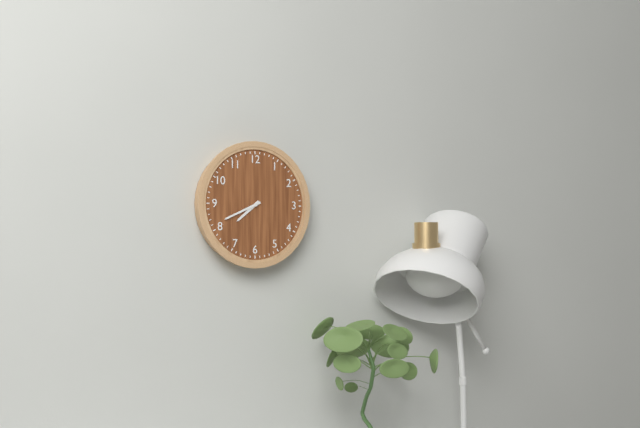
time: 7:41
